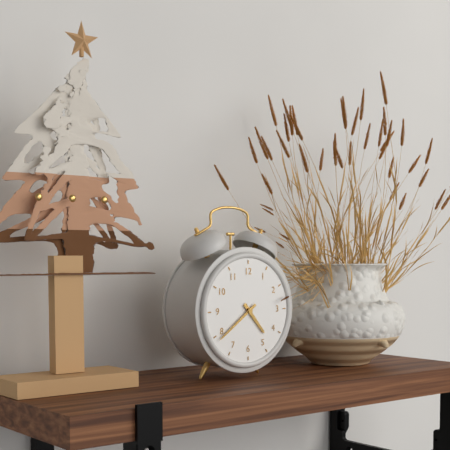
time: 4:39
